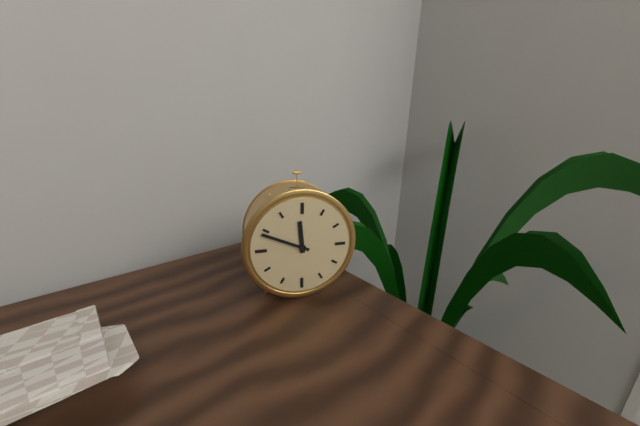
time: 11:49
